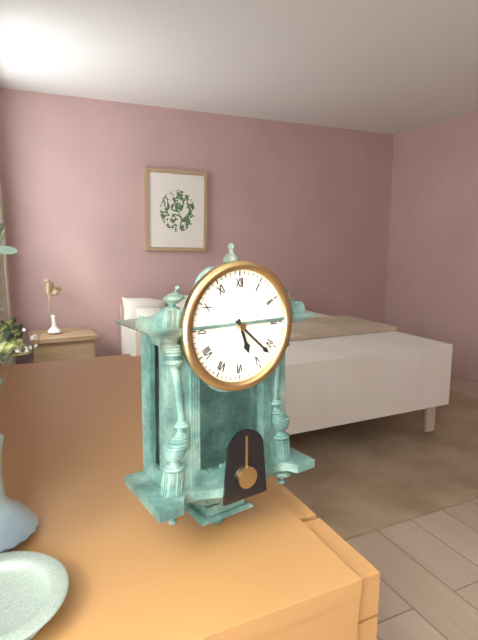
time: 5:22
